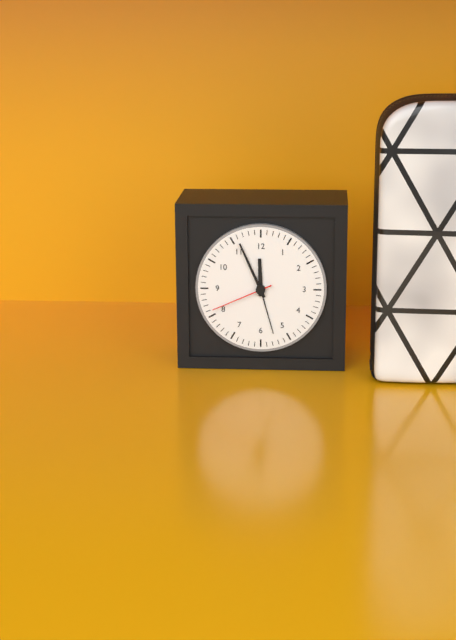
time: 11:56:41
